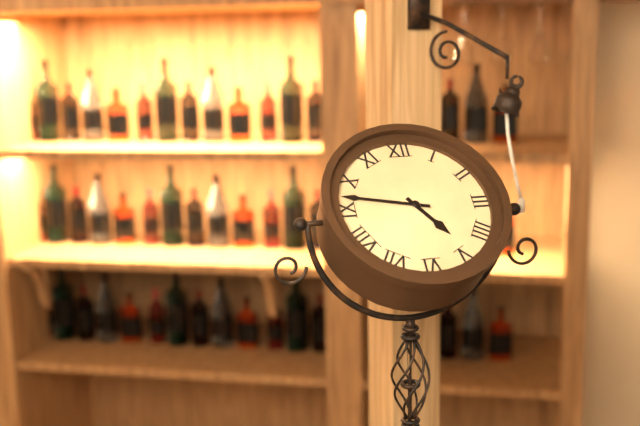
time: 4:47
